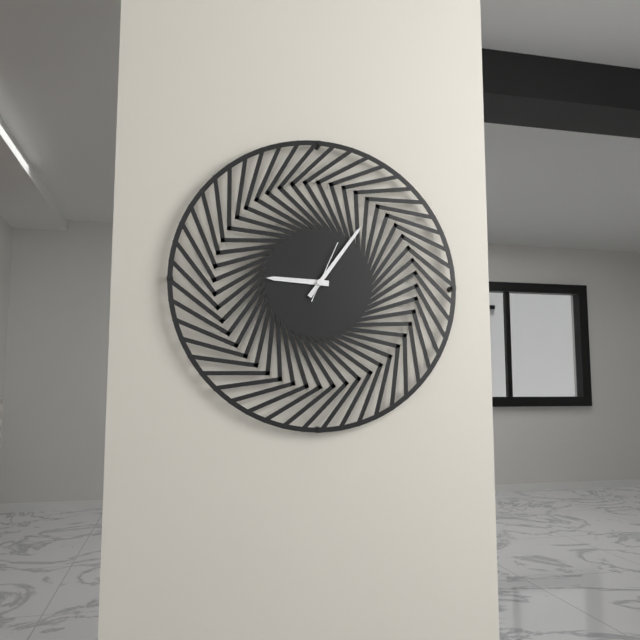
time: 9:06:04
